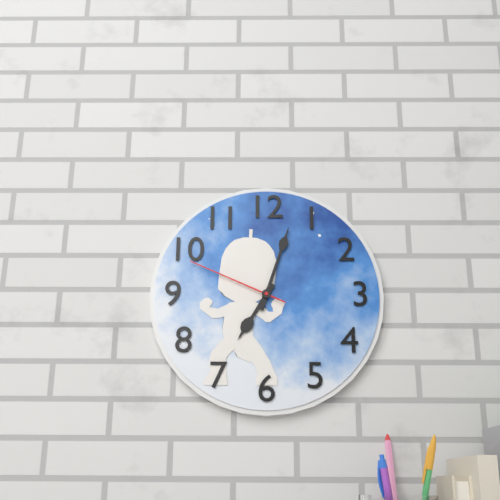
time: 7:03:49
